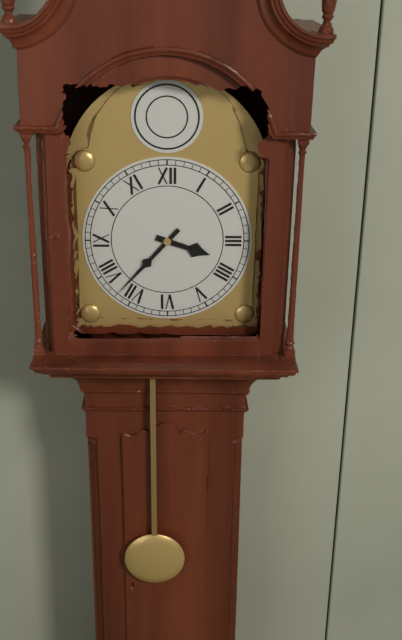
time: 3:37
